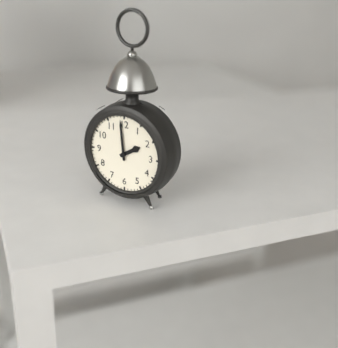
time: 1:59
